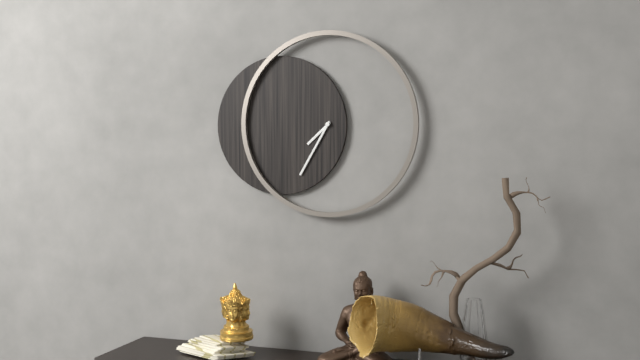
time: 7:35
